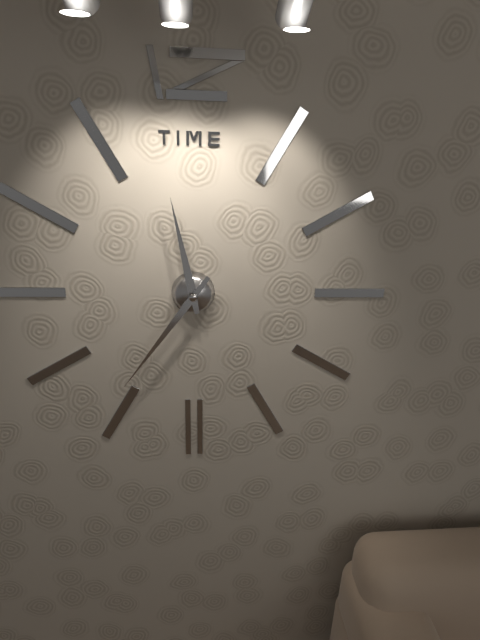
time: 11:36
